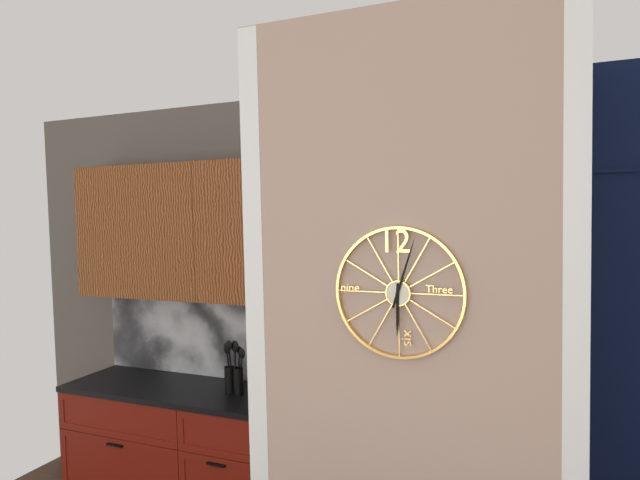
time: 6:03
